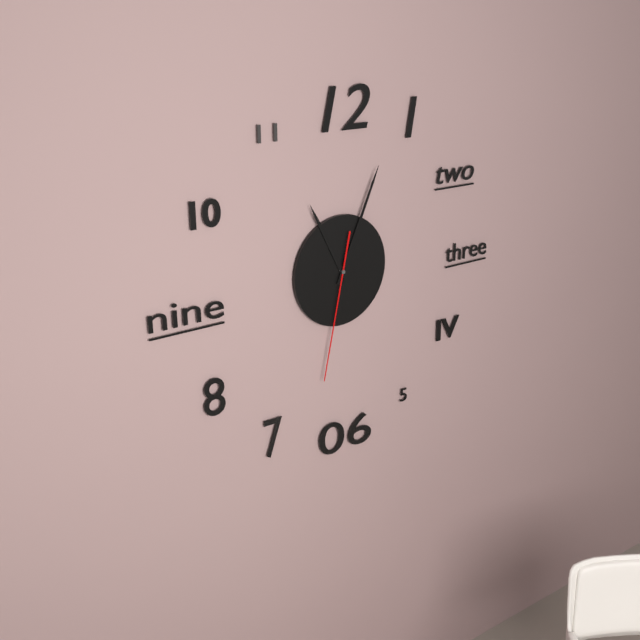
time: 11:04:32
